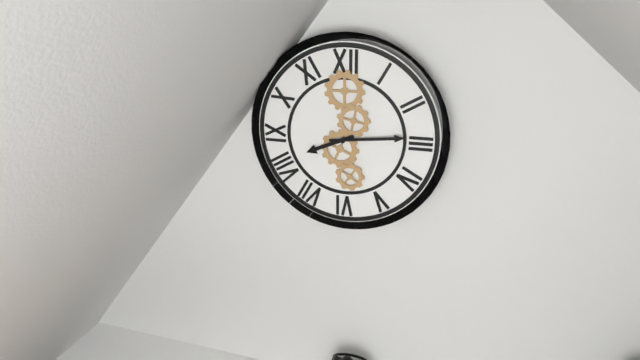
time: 8:14
